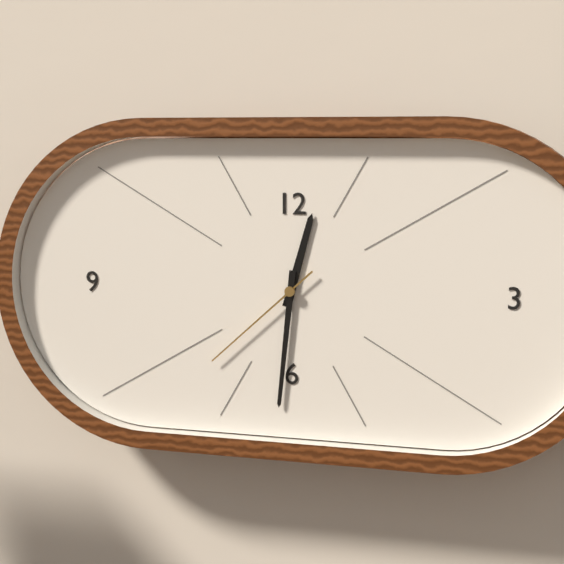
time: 12:31:38
